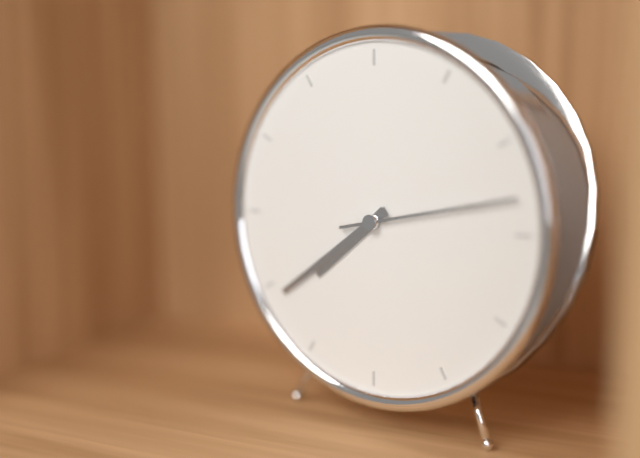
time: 7:39:13
